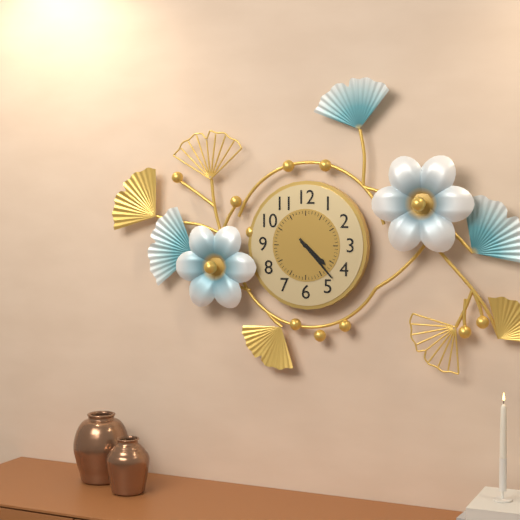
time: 4:23
